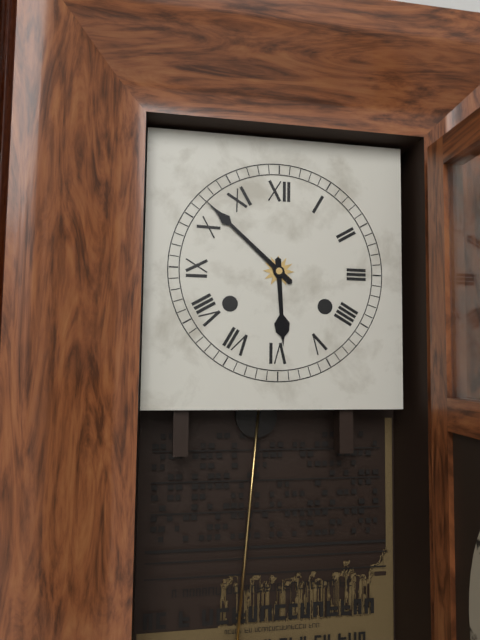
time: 5:52
